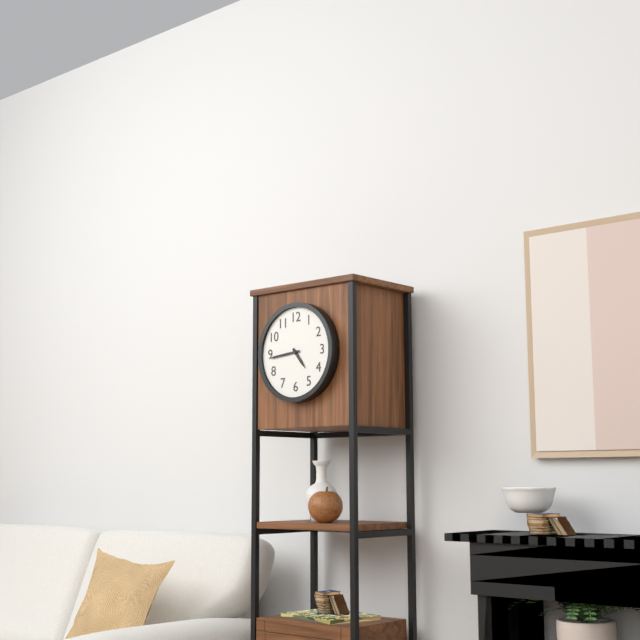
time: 4:44
